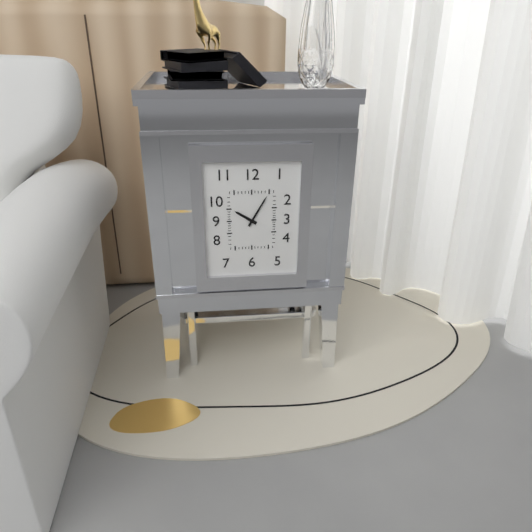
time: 10:05
